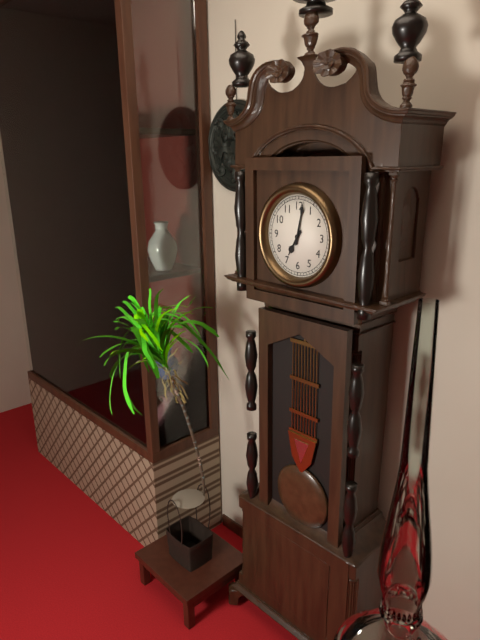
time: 7:02
